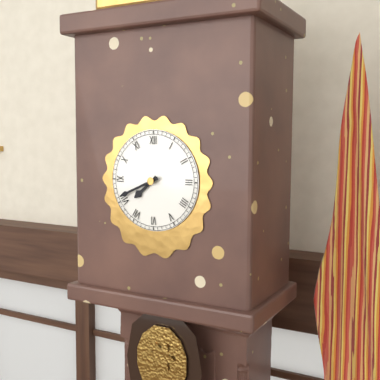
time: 7:41
